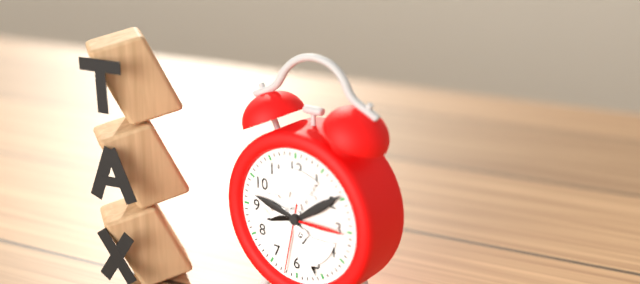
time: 8:26:32
